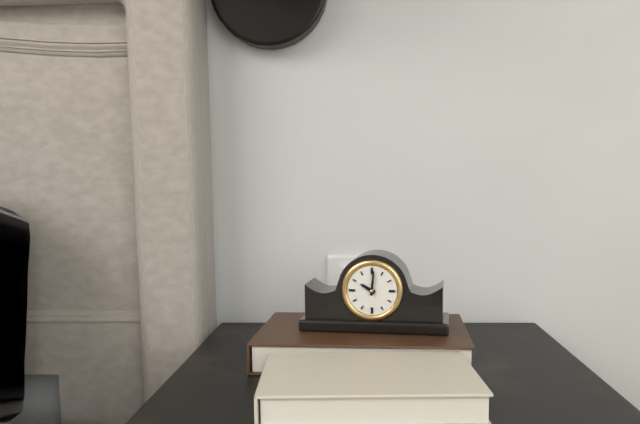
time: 10:01
